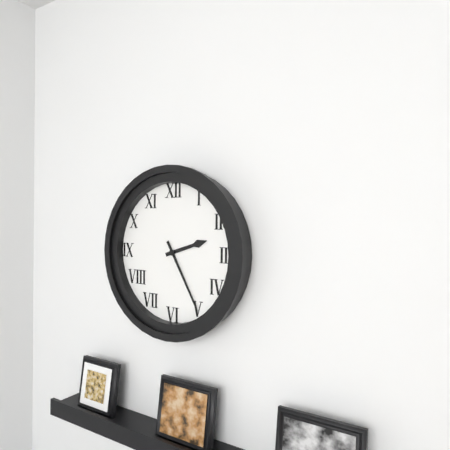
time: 2:25
